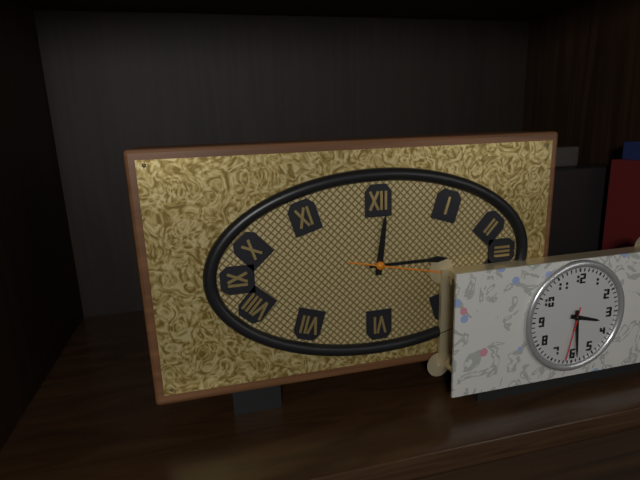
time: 12:15:17
